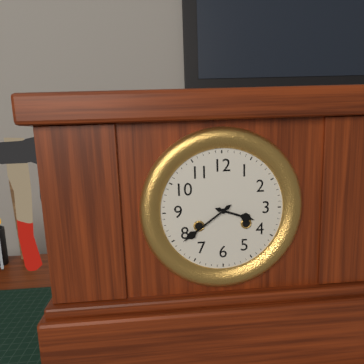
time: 3:39
